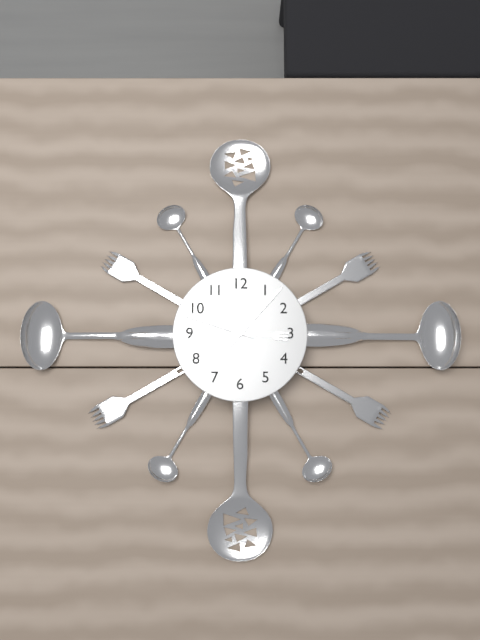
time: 3:07:48
